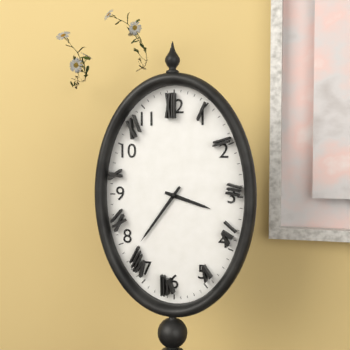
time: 3:36
